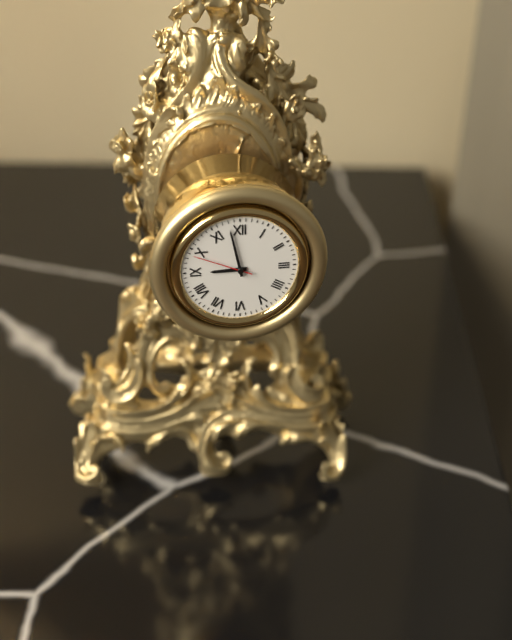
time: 8:58:49
